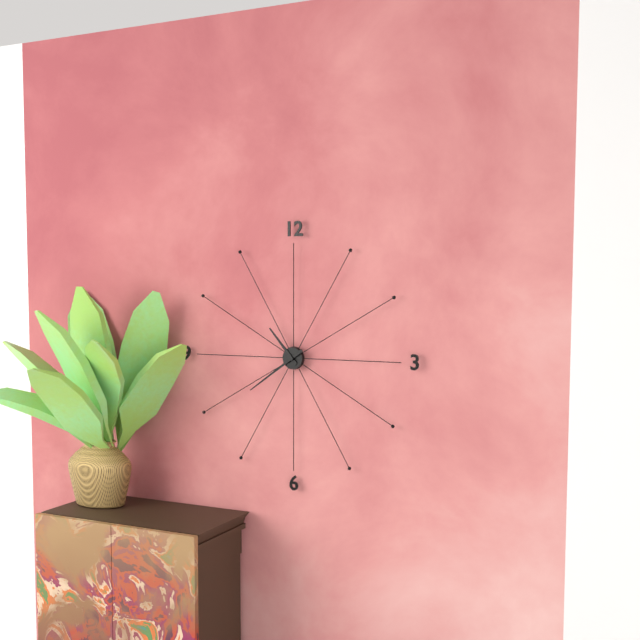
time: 10:39
